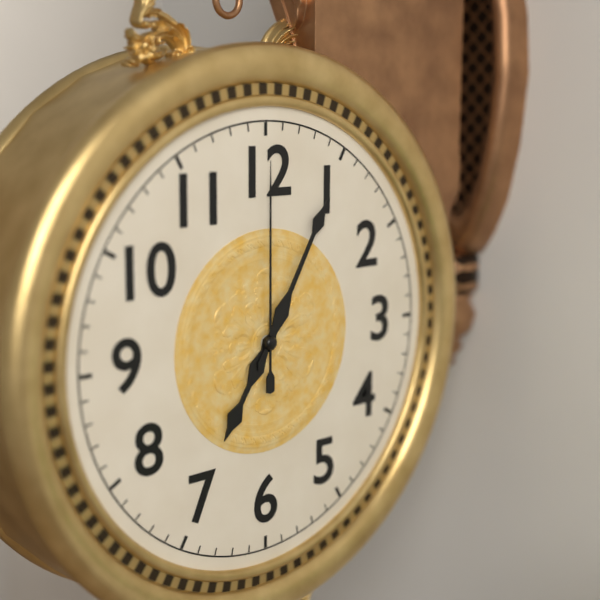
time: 7:05:00
